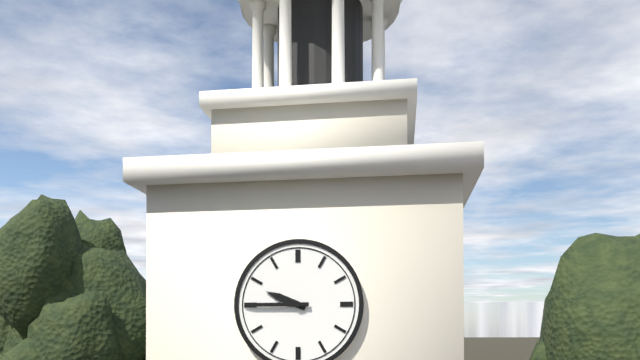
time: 9:45
